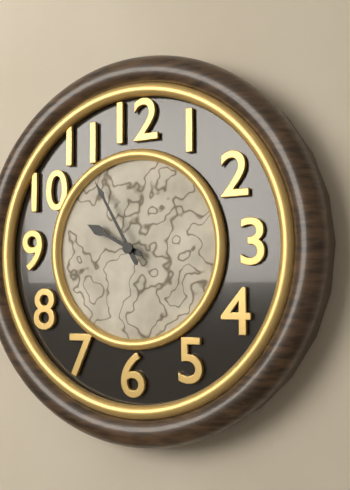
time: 9:55
